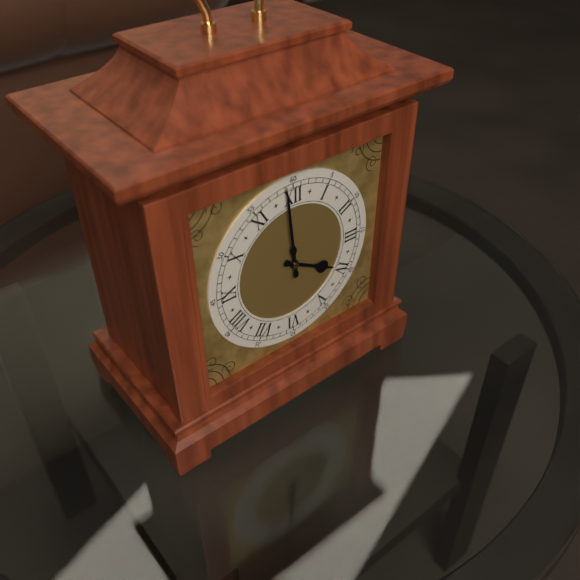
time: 3:59
